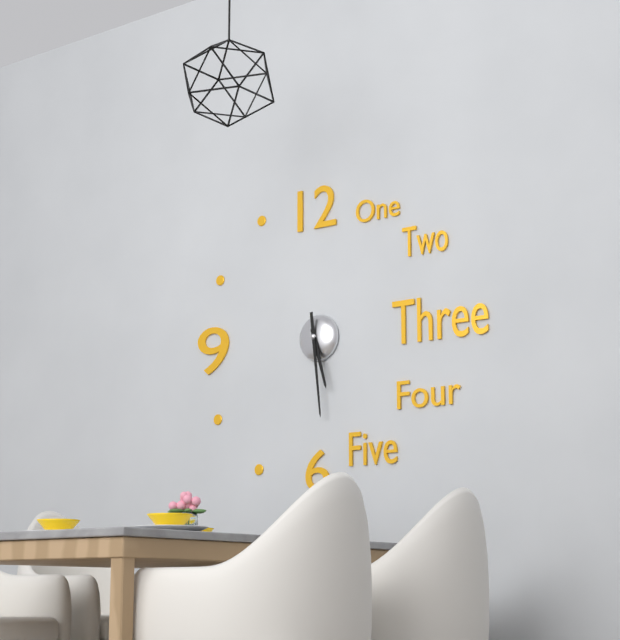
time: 5:29
